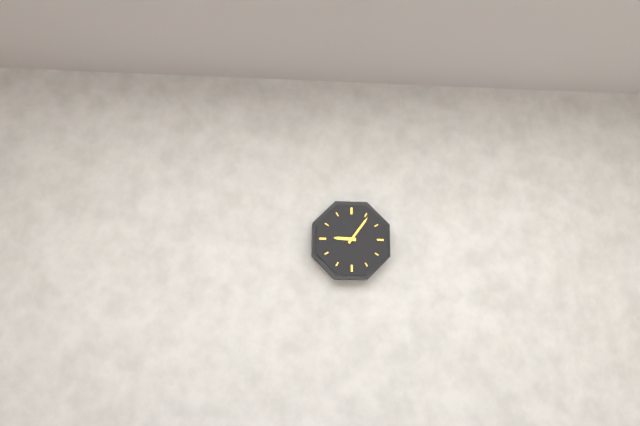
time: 9:06
